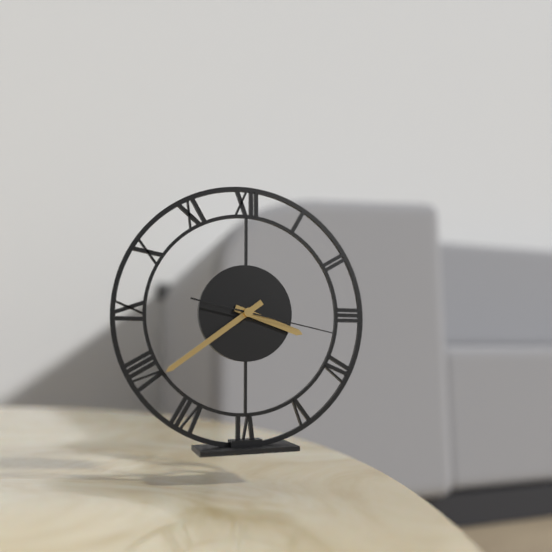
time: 3:39:17
